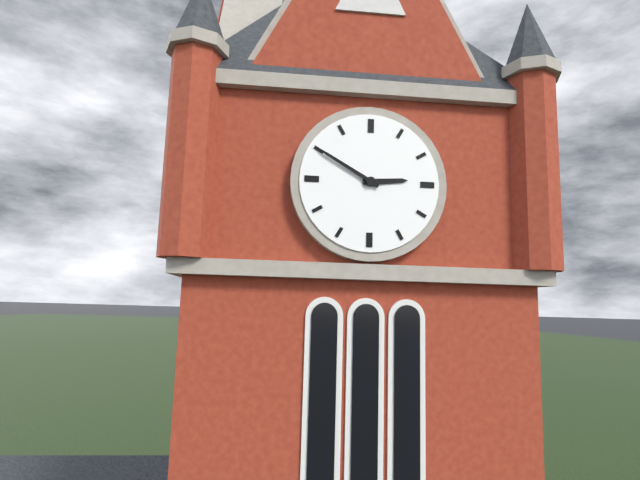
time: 2:50
